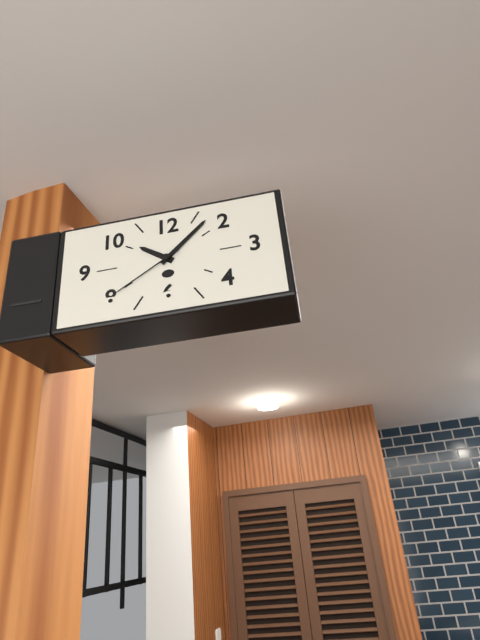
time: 10:08:40
